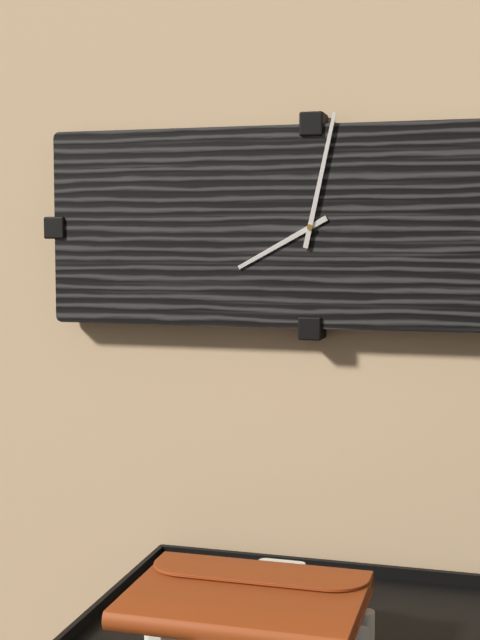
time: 8:02
